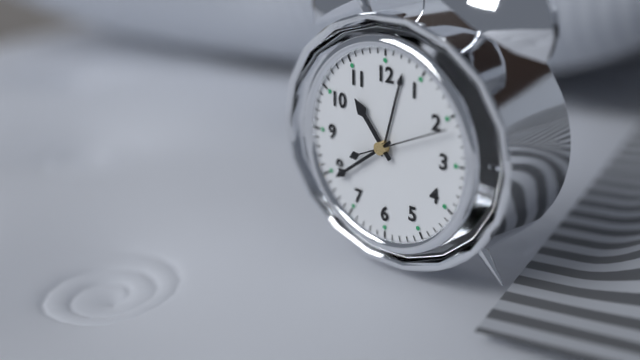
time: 10:39:11
